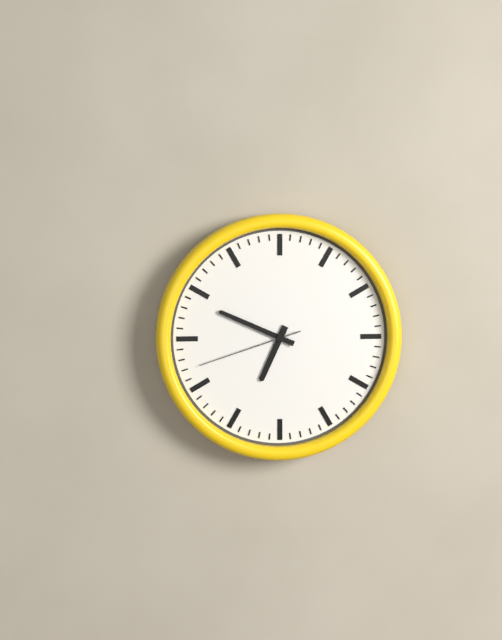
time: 6:49:42
